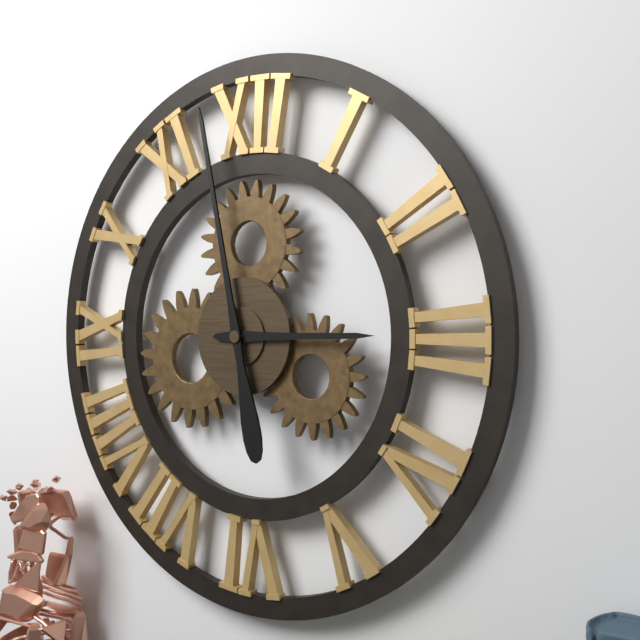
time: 2:58
